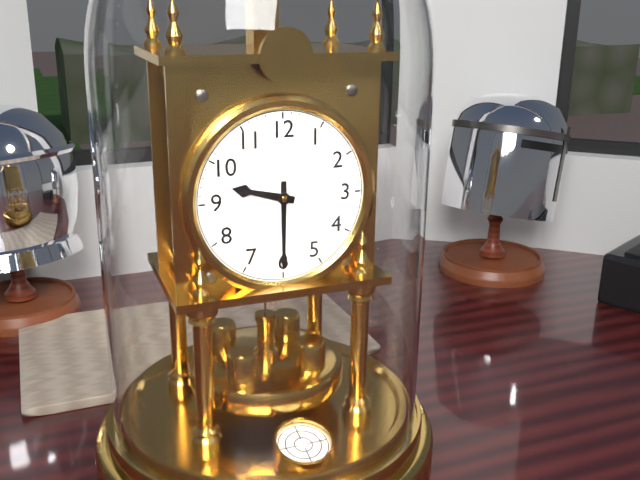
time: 9:30
